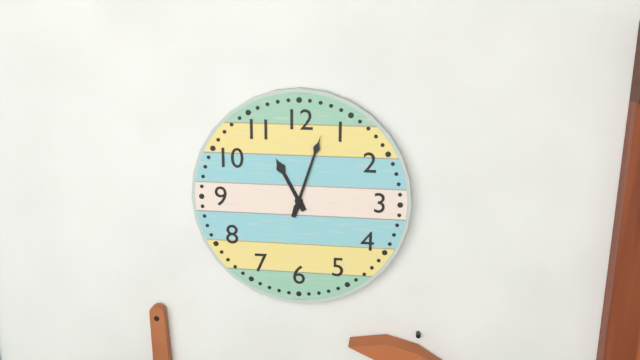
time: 11:03
